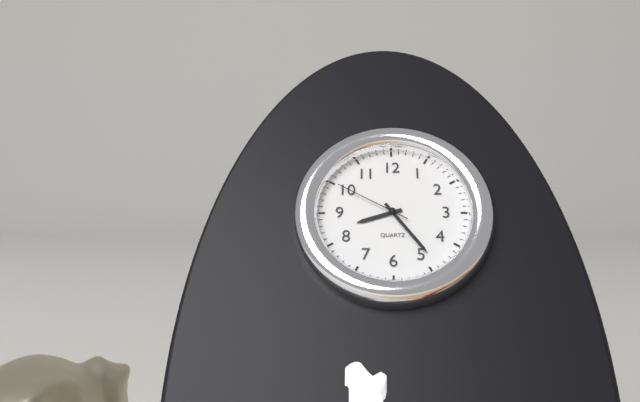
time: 8:24:50
